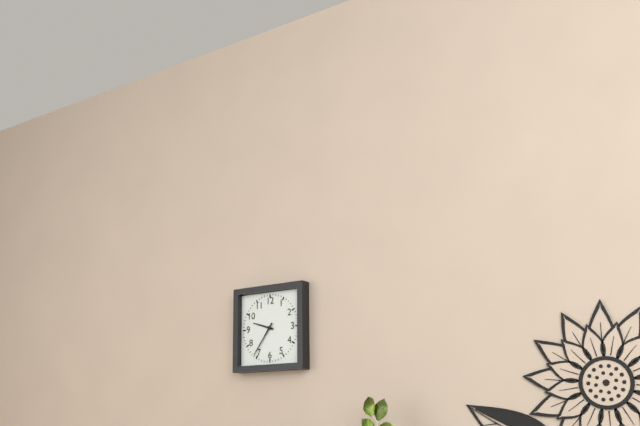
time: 9:36
